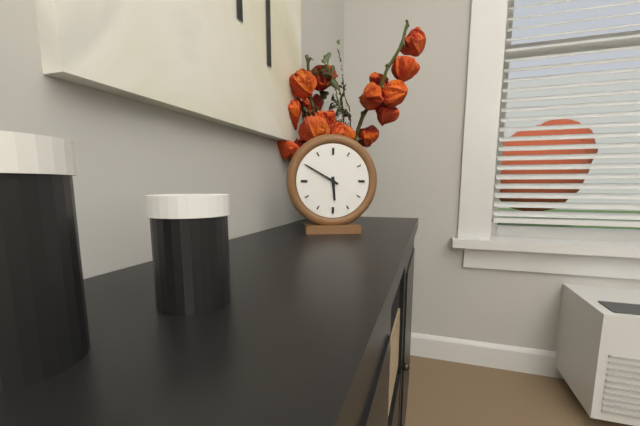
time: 5:50
